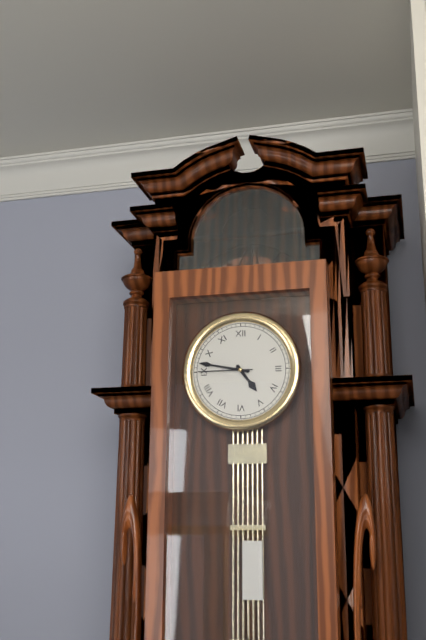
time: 4:47:45
